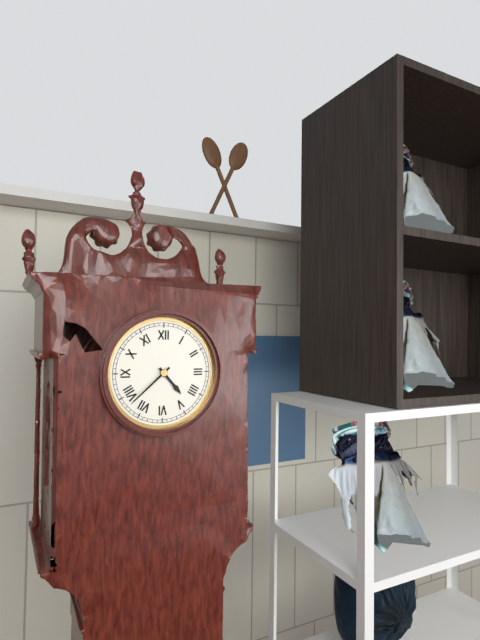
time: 4:38
